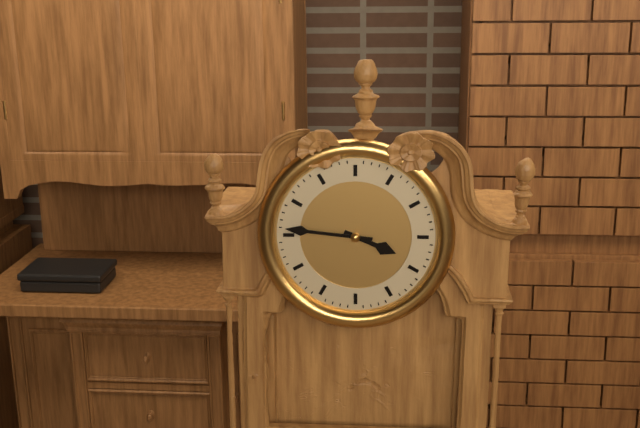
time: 3:46
